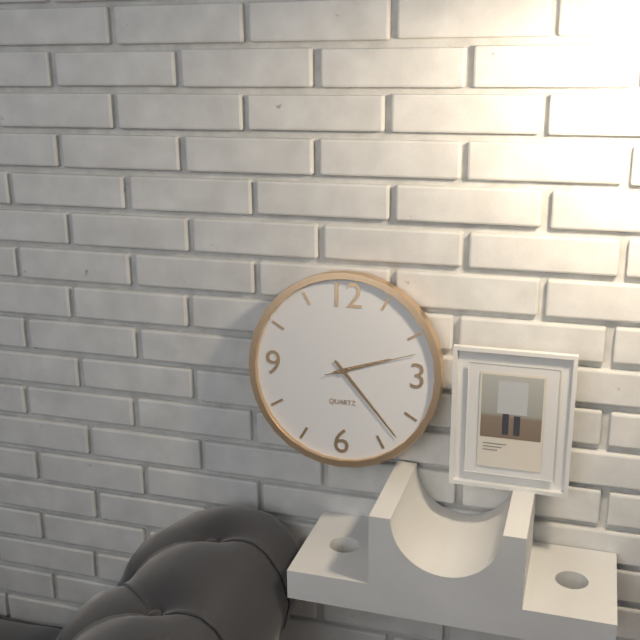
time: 2:23:12
